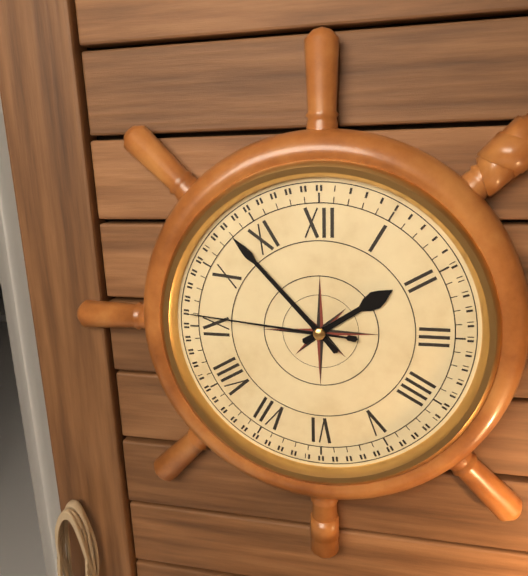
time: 1:53:46
